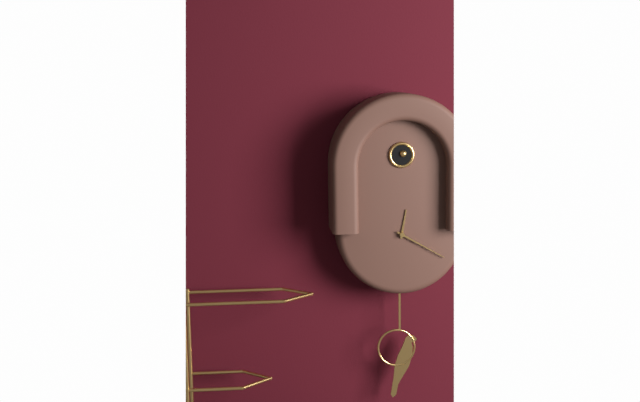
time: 12:20
